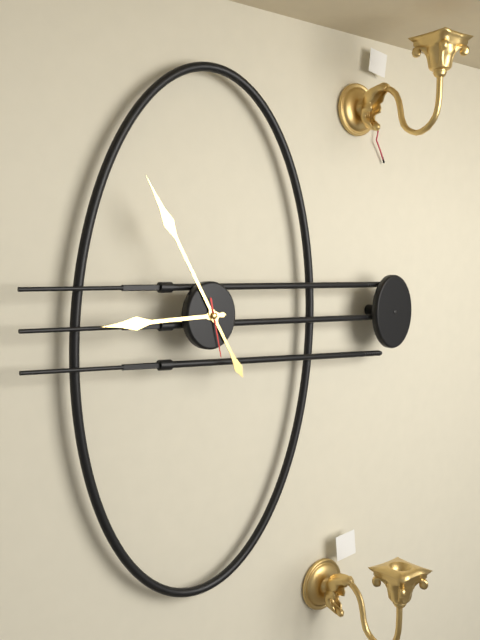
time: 8:55:28
